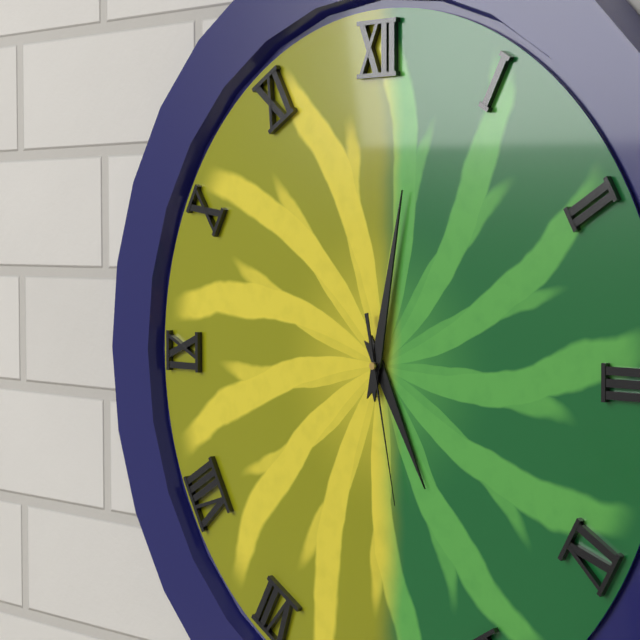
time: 5:02:28
